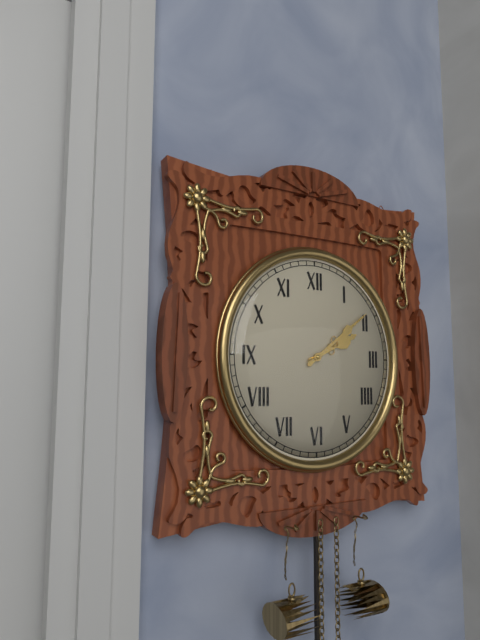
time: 2:09
